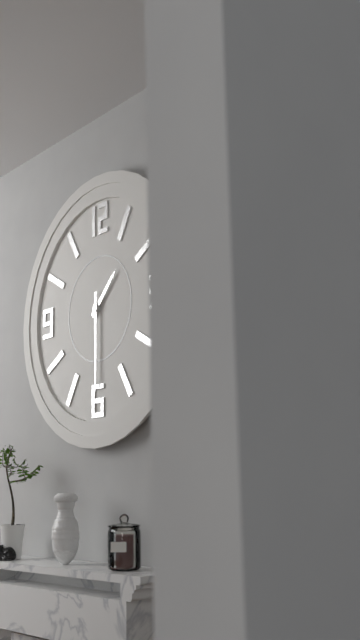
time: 1:30
